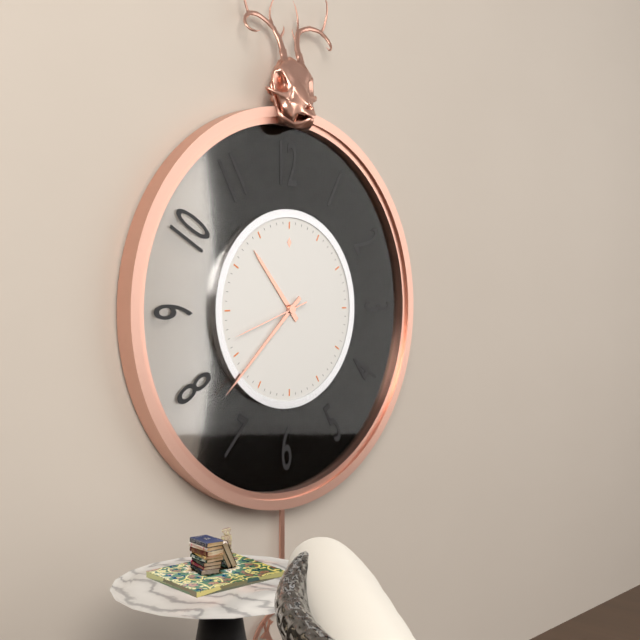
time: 10:38:42
